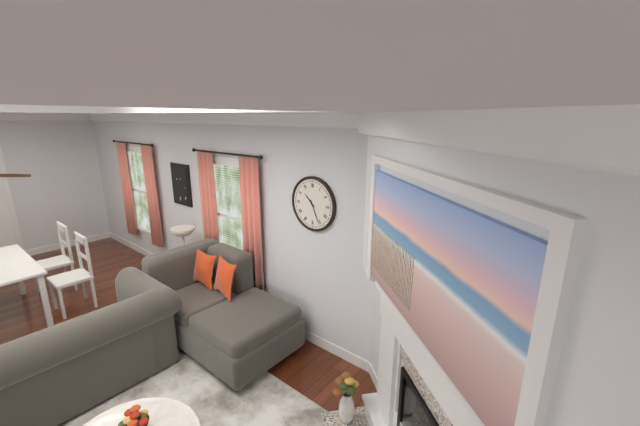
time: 10:26
